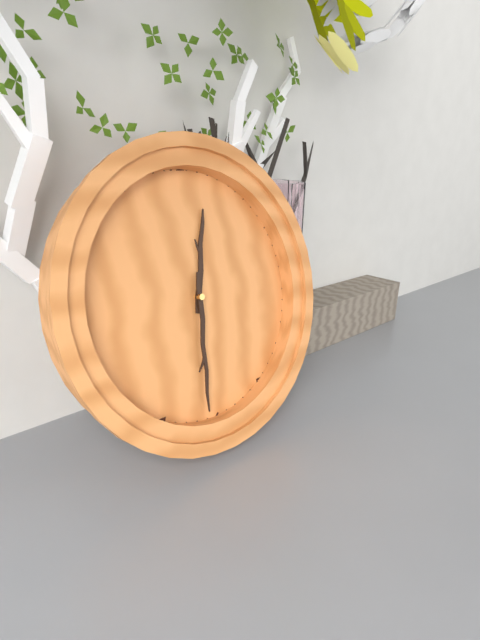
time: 12:31
